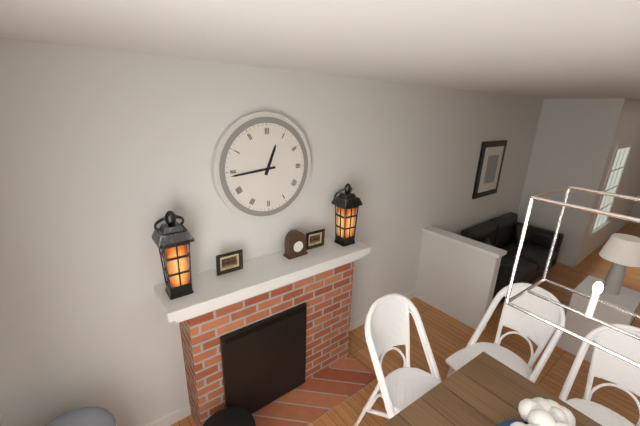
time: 12:44
